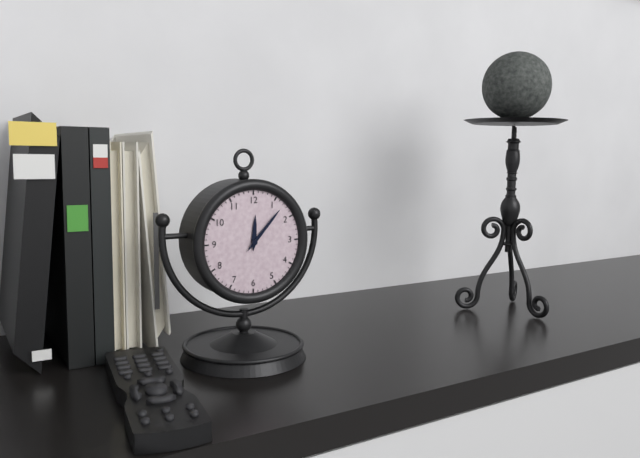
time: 12:07
